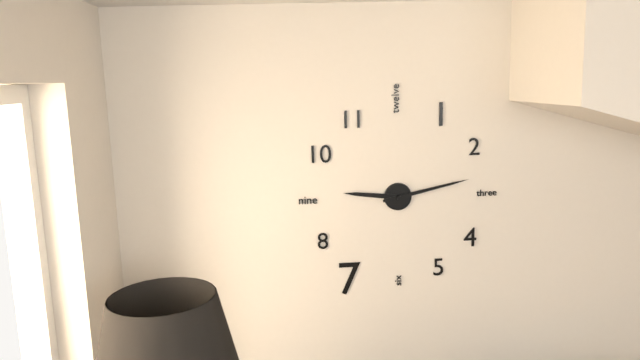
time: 9:13
